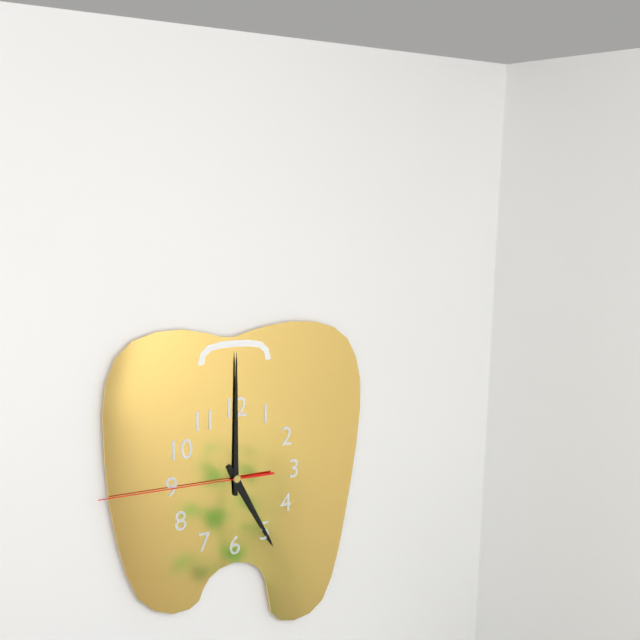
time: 5:00:45
